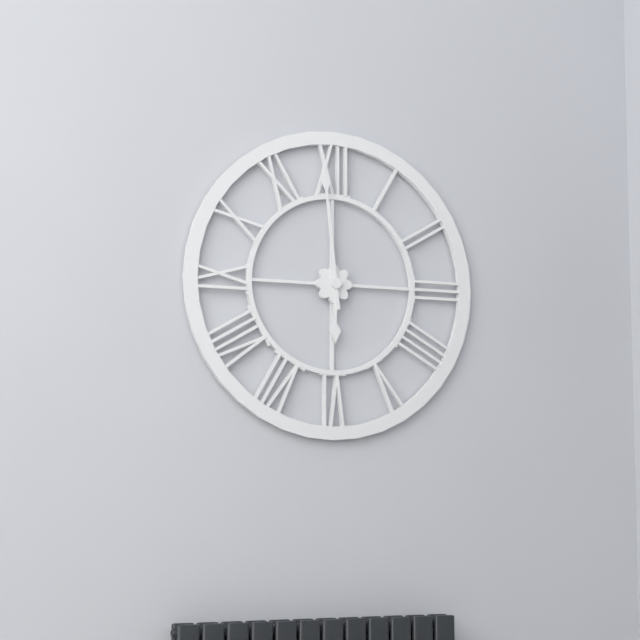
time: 5:59
